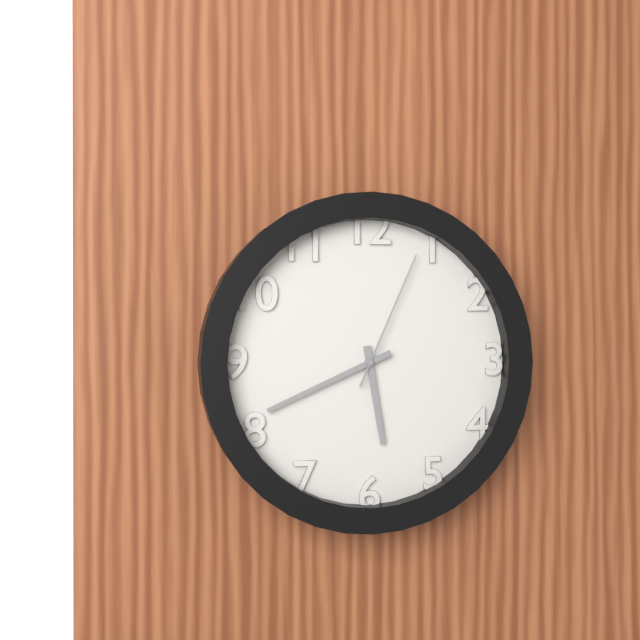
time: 5:41:04
